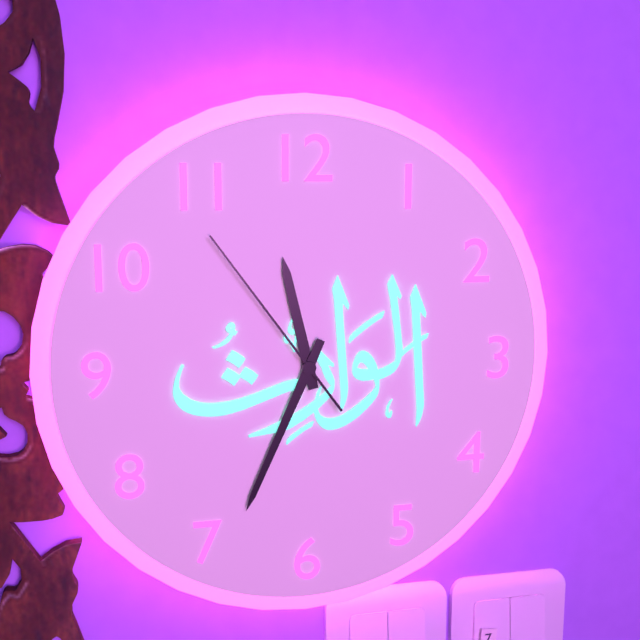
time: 11:34:54
